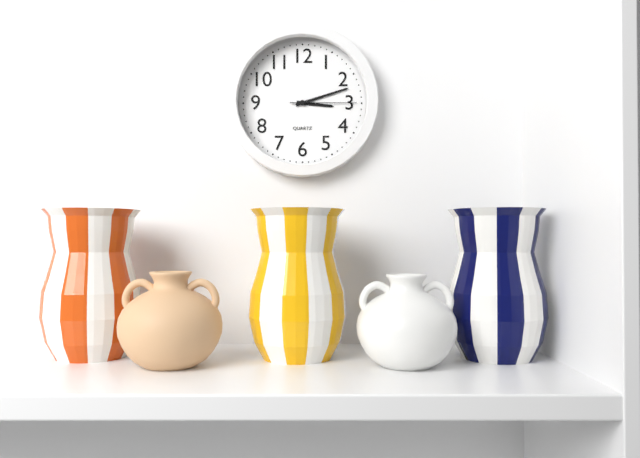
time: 3:12:15
